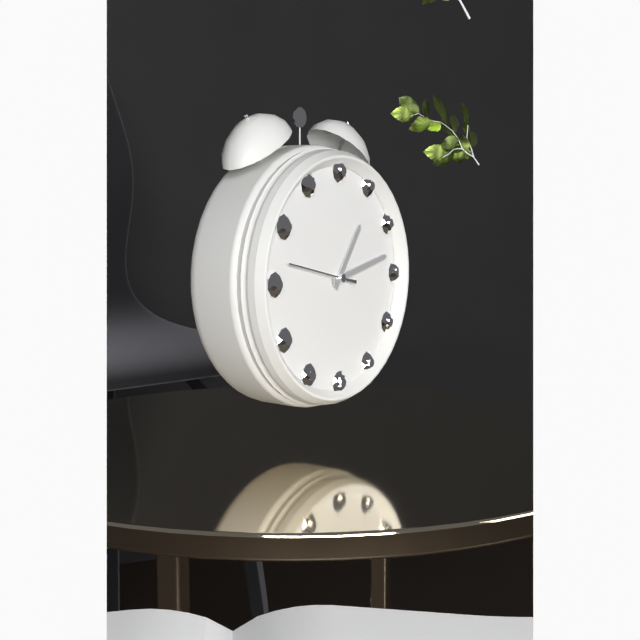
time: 1:13:47
